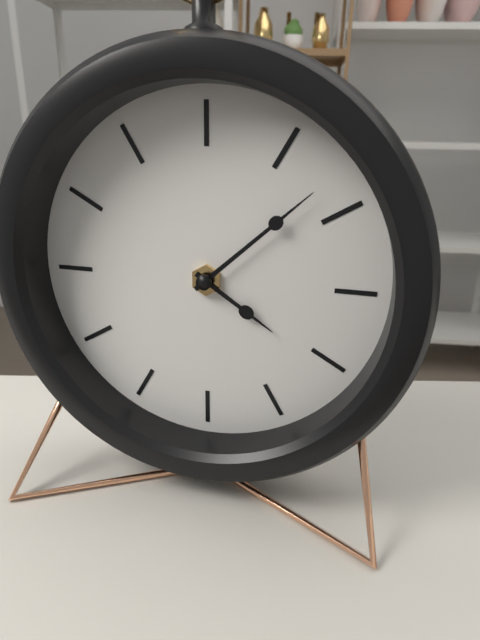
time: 4:08
